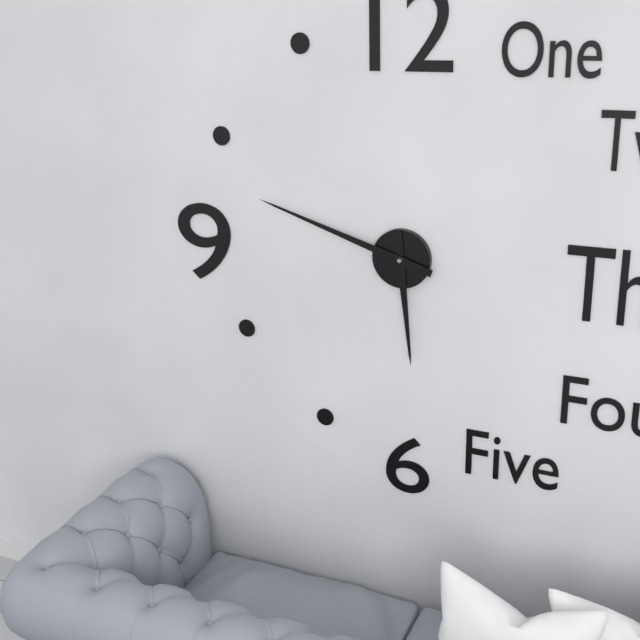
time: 5:48
